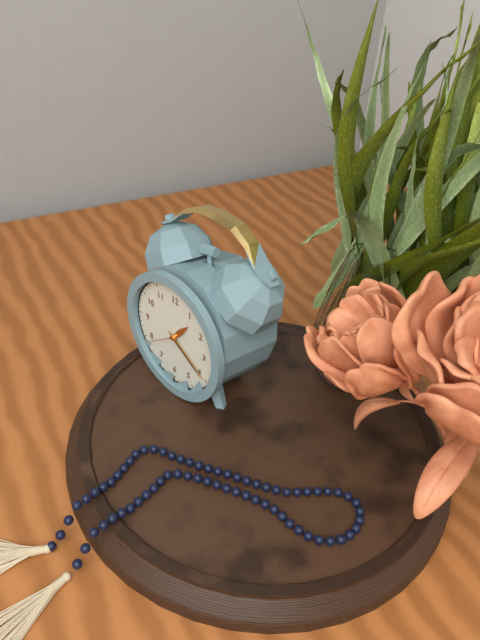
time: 1:20
